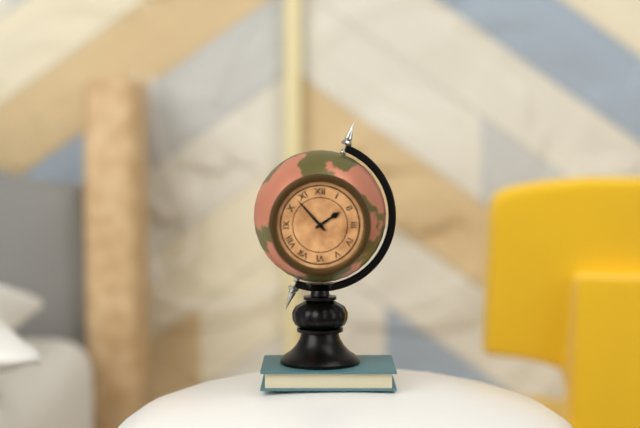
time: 1:53
